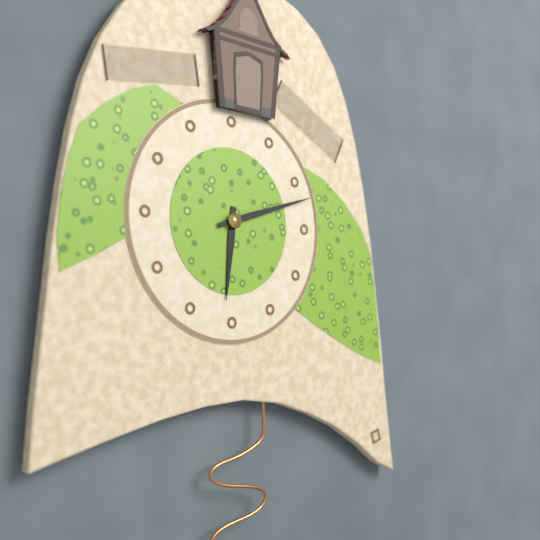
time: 6:12
